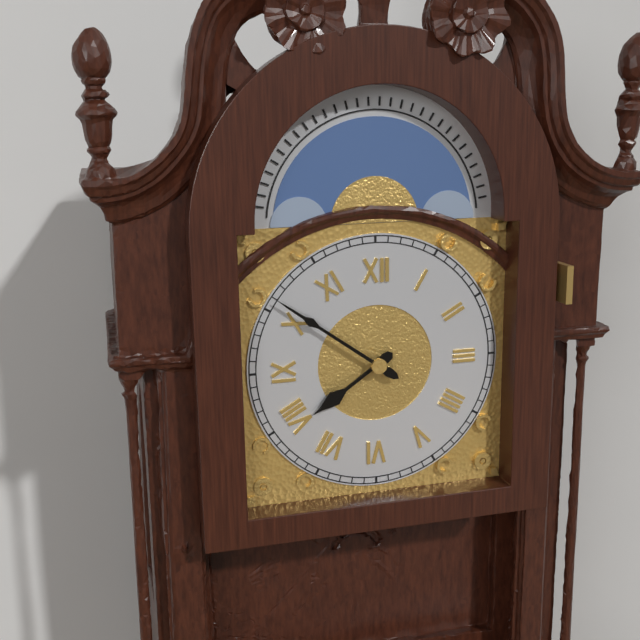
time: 7:51
